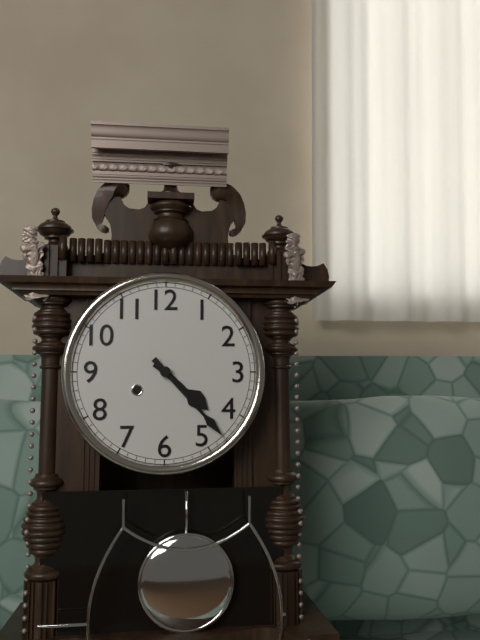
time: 4:23
